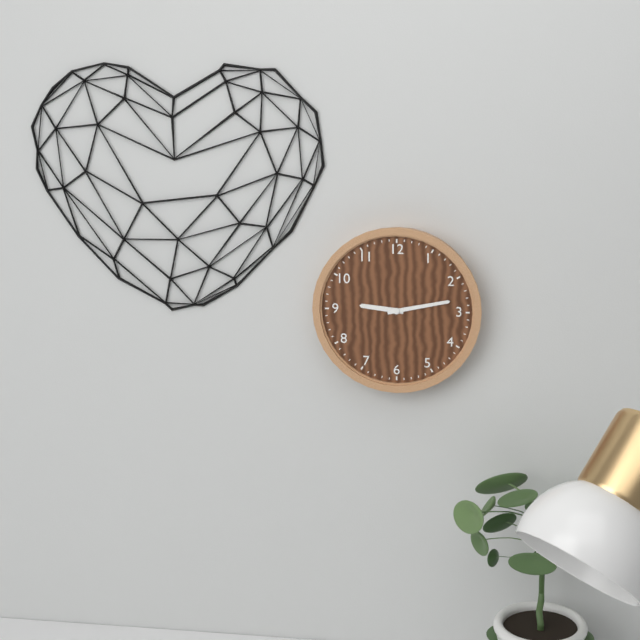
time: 9:13
